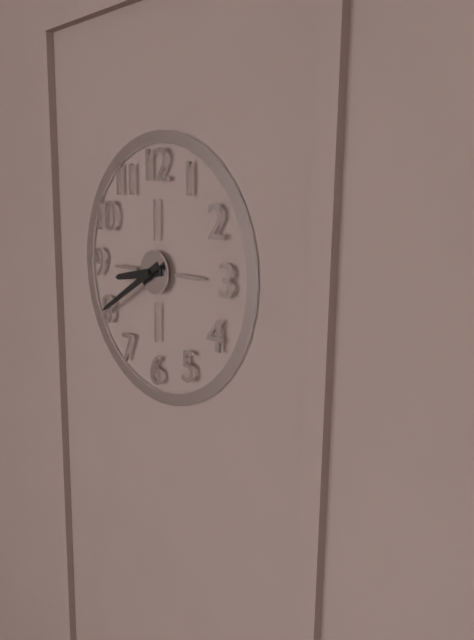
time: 8:40
